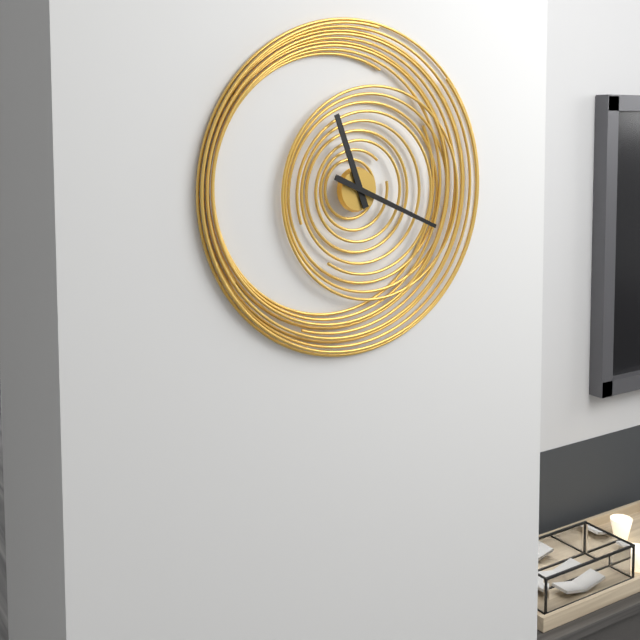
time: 11:19
